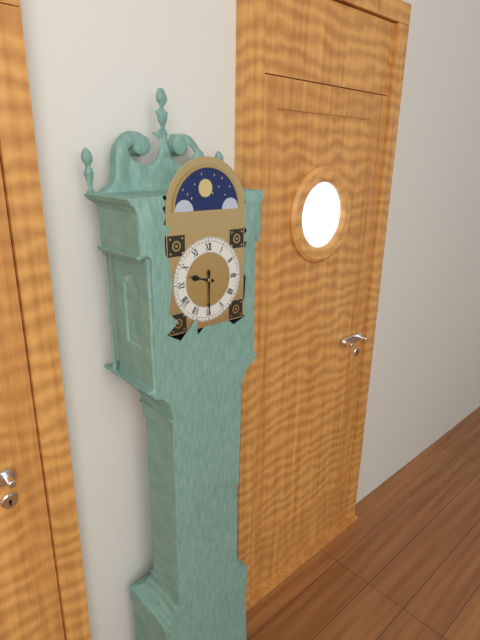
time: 9:30
